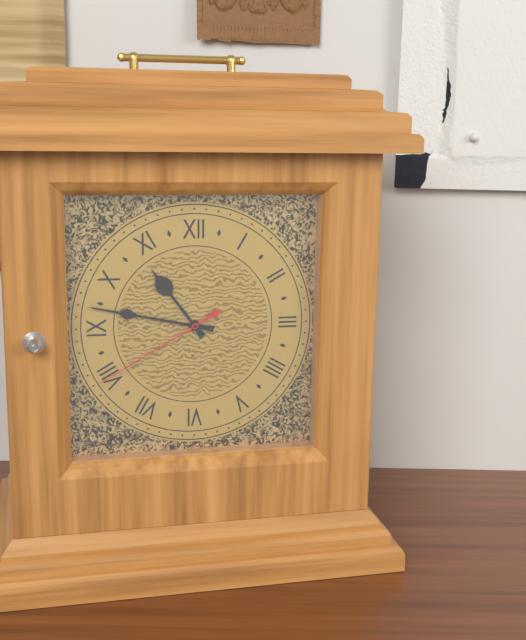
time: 10:47:40
